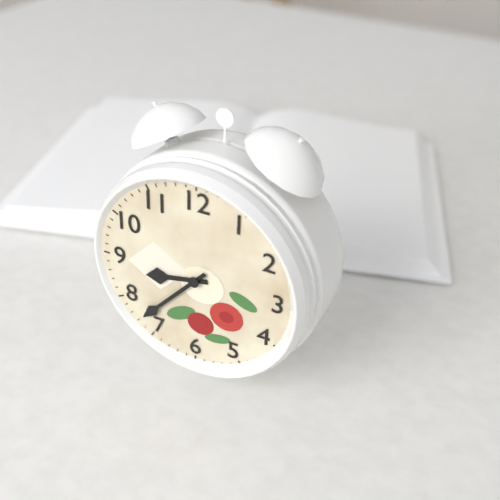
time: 8:37
